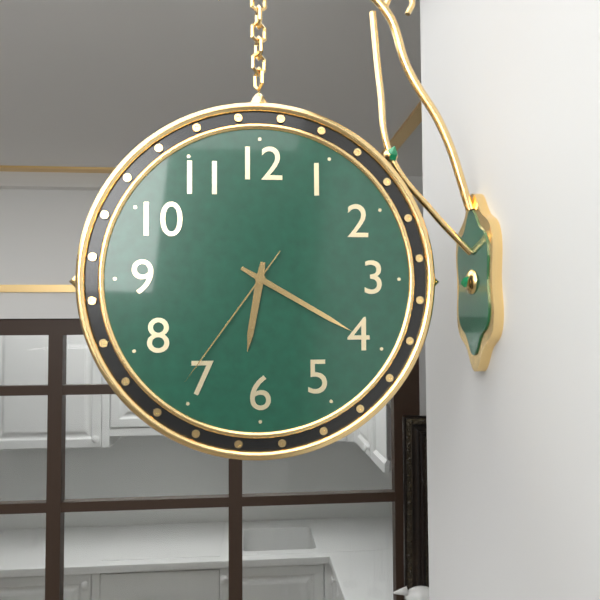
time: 6:20:36
